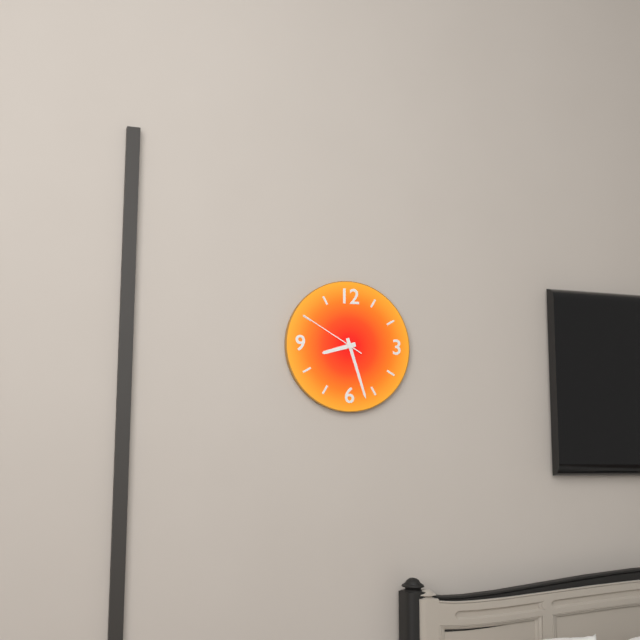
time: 8:27:50
